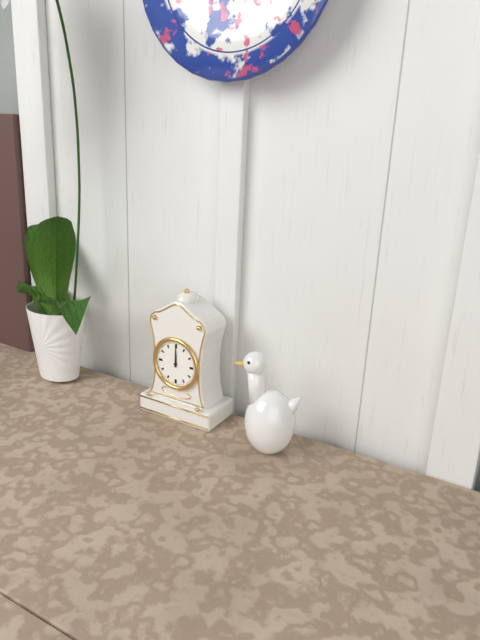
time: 12:00
